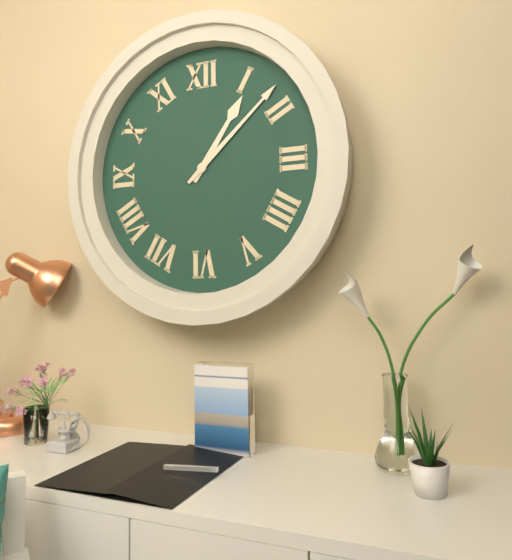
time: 1:08
